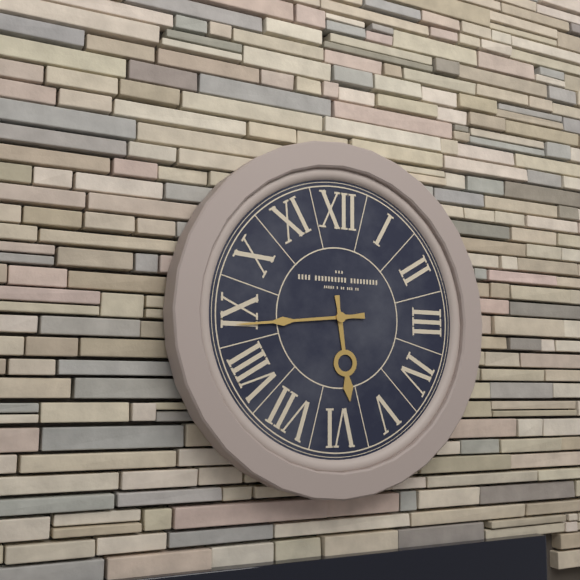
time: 5:44
